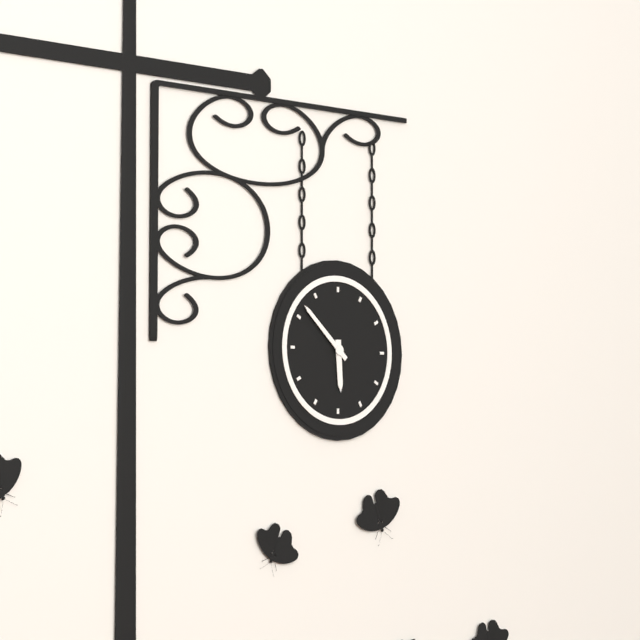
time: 5:52
